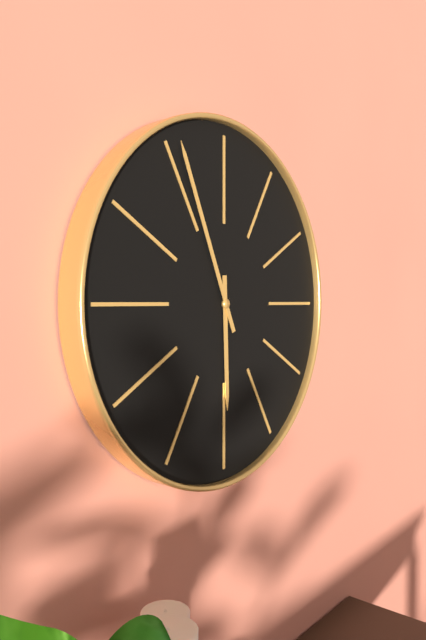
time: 5:56
